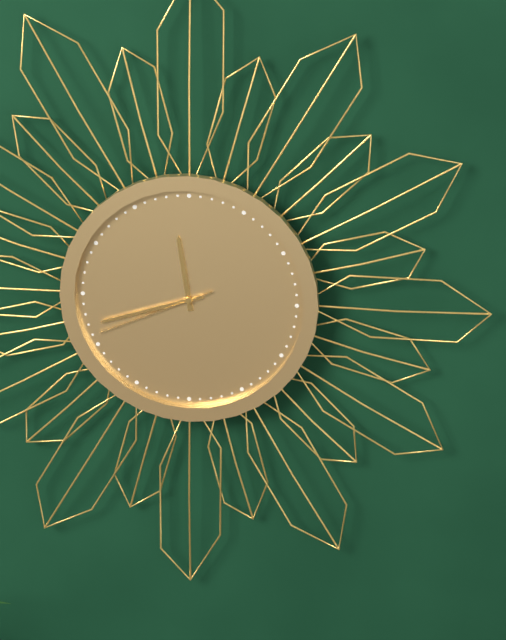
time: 11:42:41
